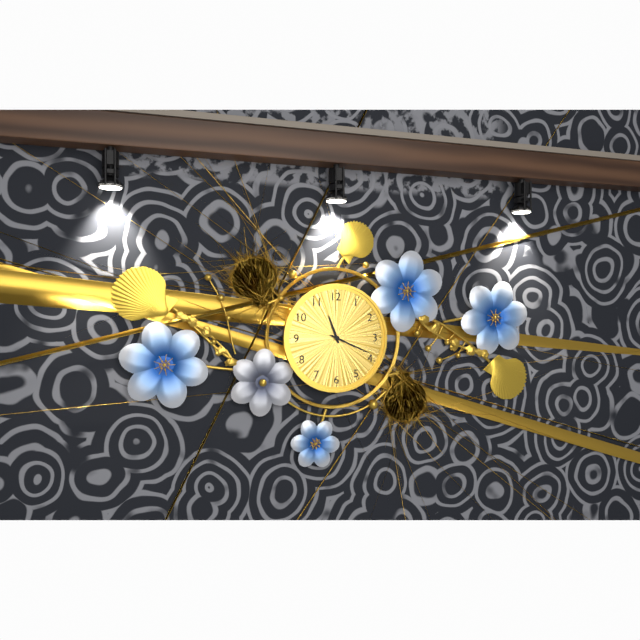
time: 11:19
